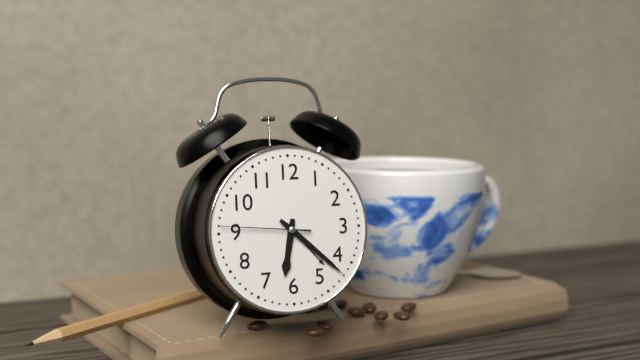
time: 6:22:46
